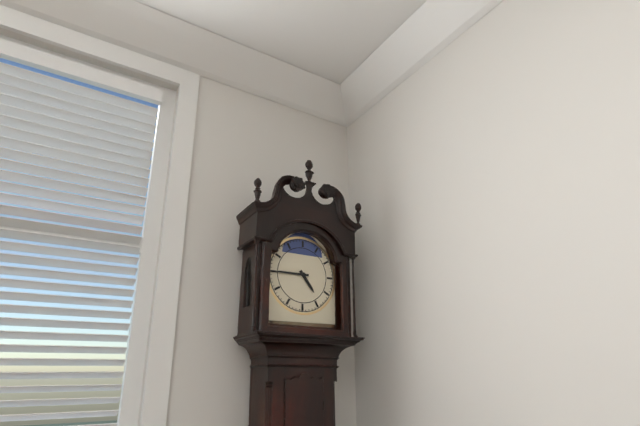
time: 4:45
